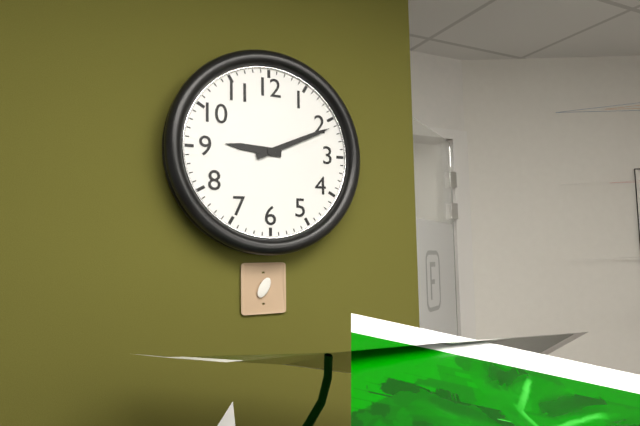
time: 9:11
